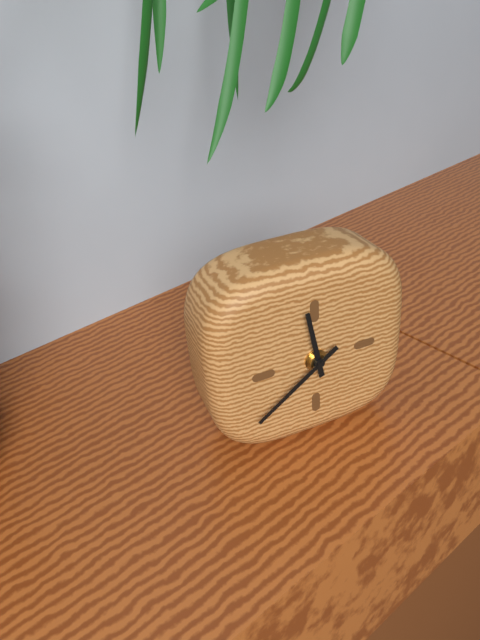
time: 11:39
